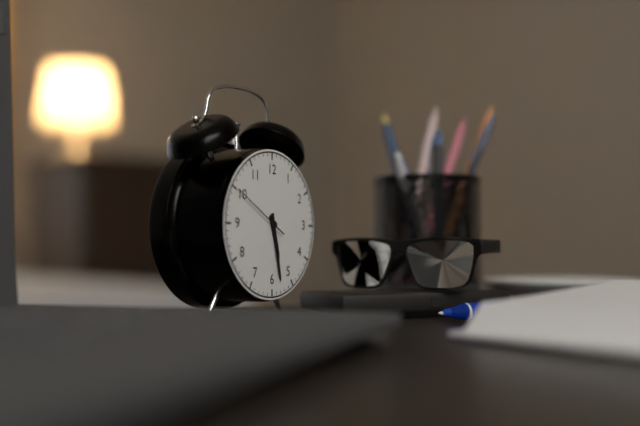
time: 5:28:50
